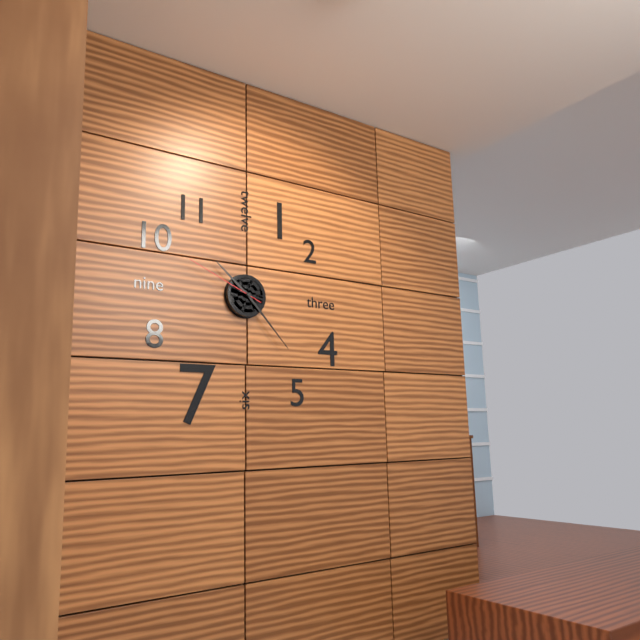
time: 10:23:49
